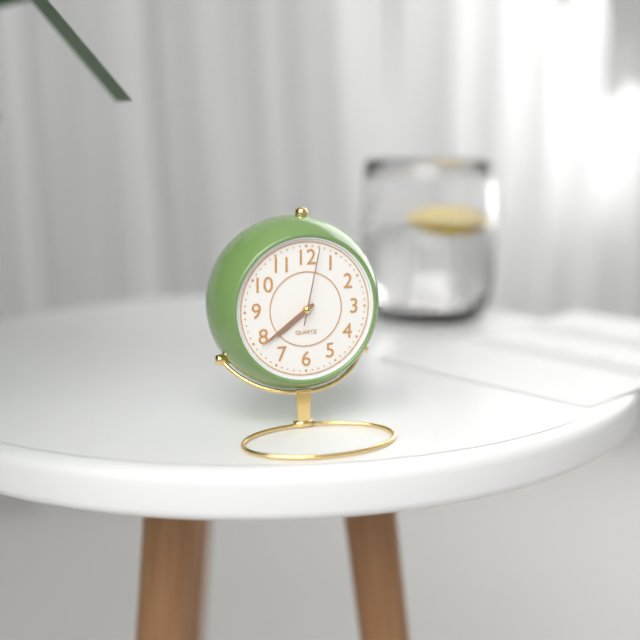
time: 7:39:02
